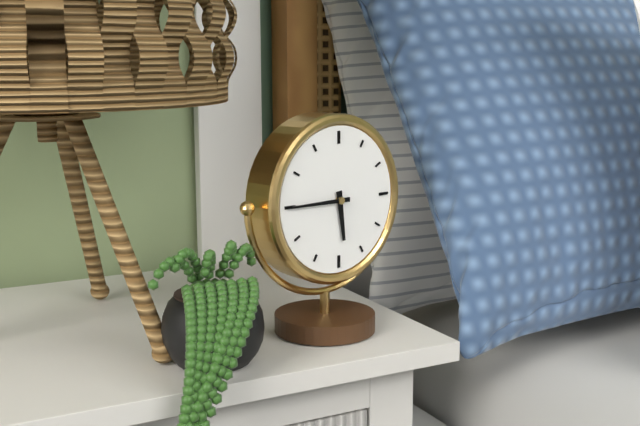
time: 5:45
